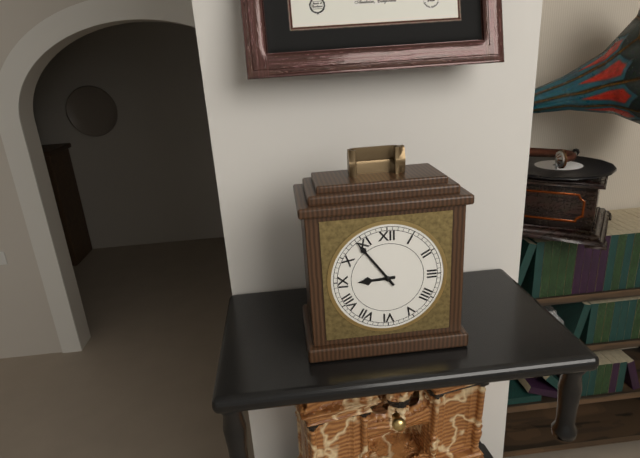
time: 8:54
